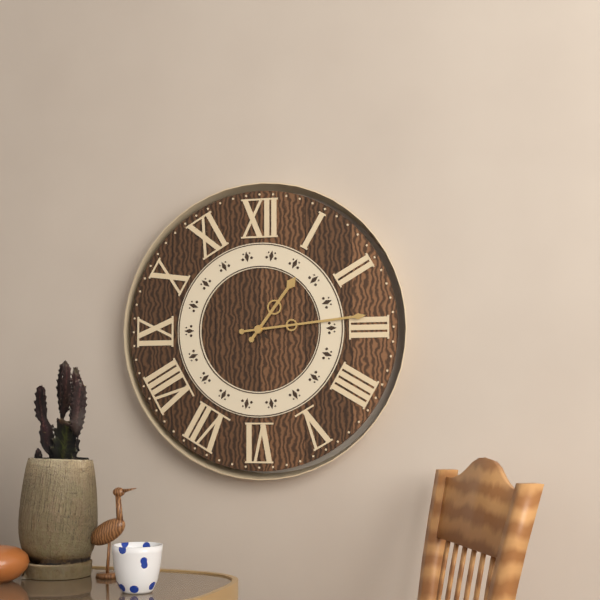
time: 1:14
